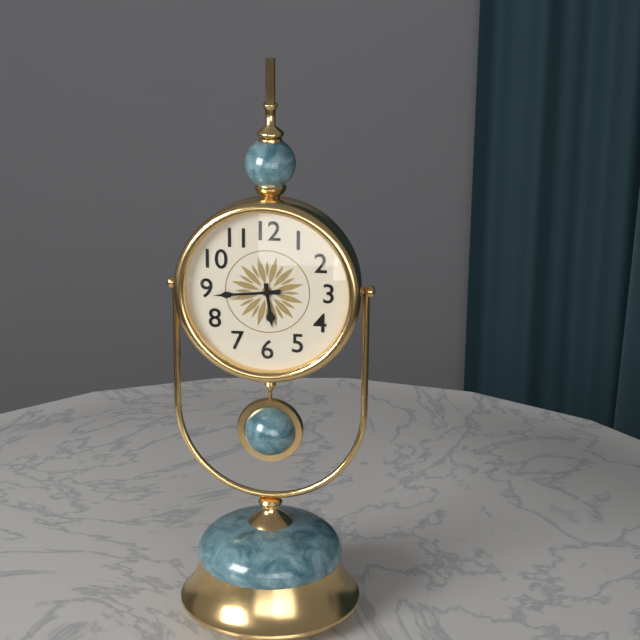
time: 5:44
